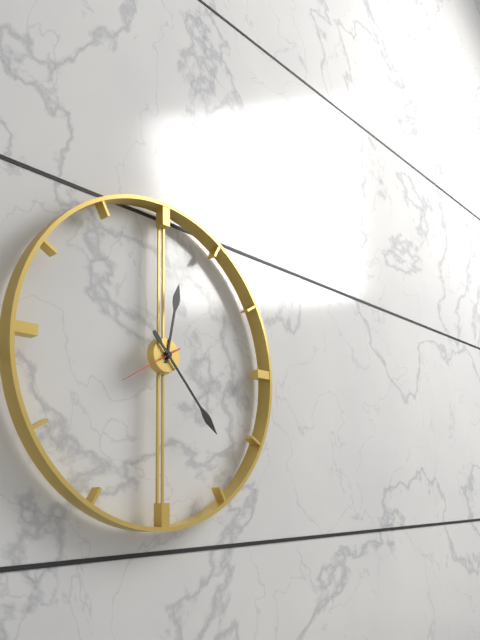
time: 12:23
